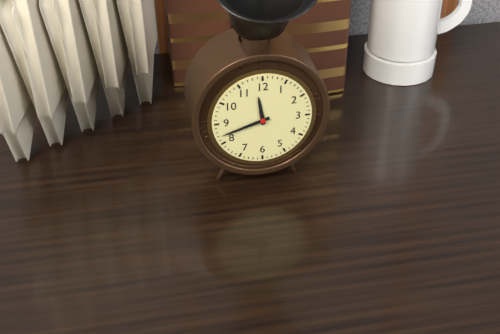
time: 11:42
